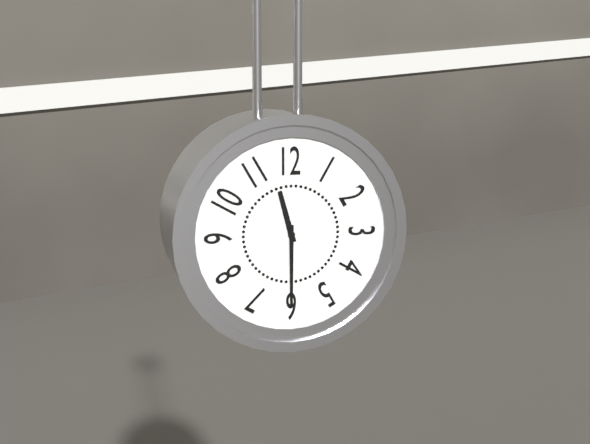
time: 11:30
